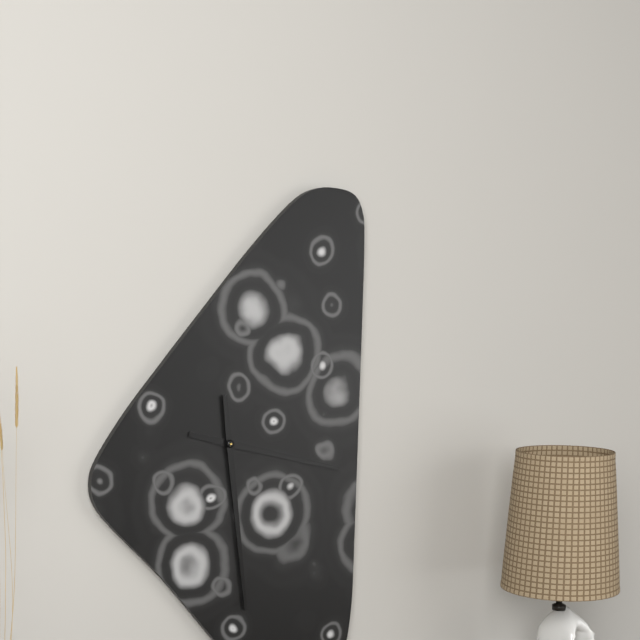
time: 3:29
